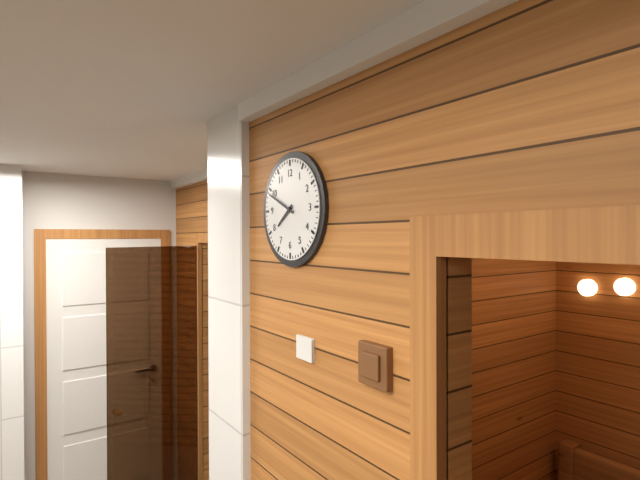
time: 7:49
